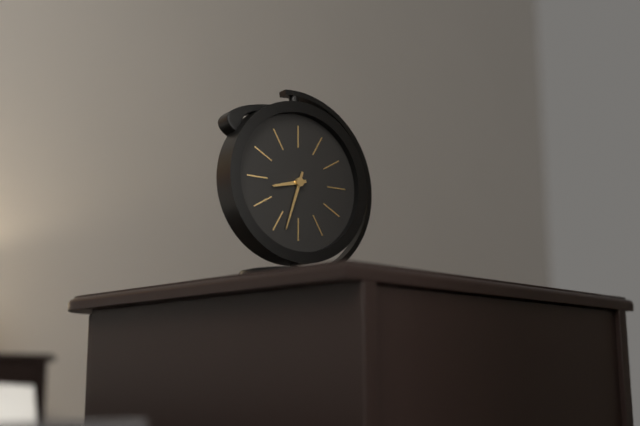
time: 8:33
